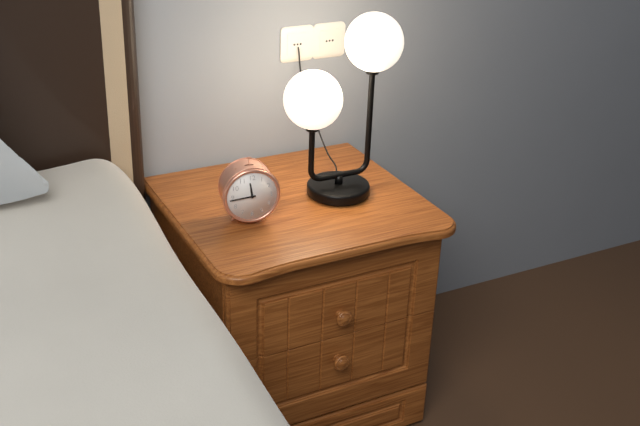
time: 11:44
